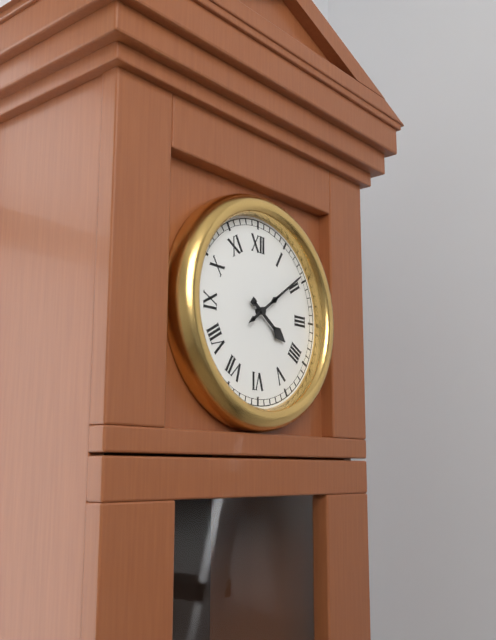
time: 4:09
